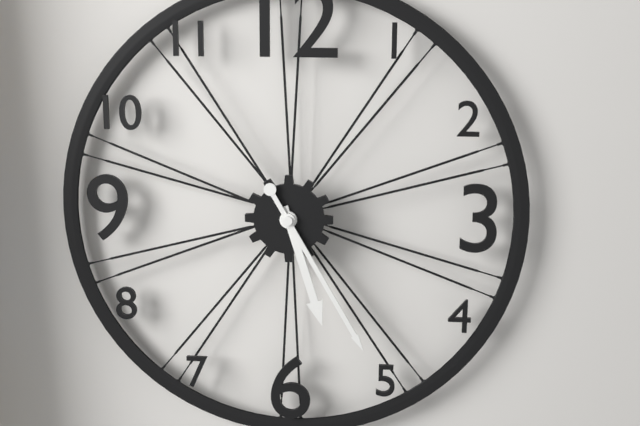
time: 5:25
